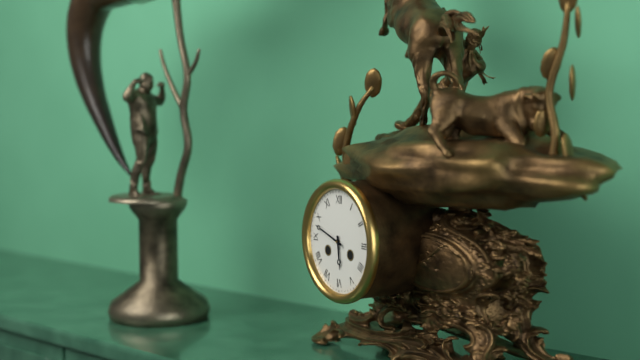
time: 5:48
